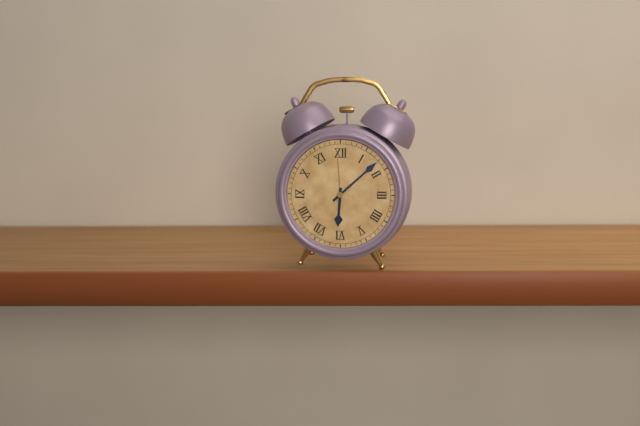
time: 6:08
